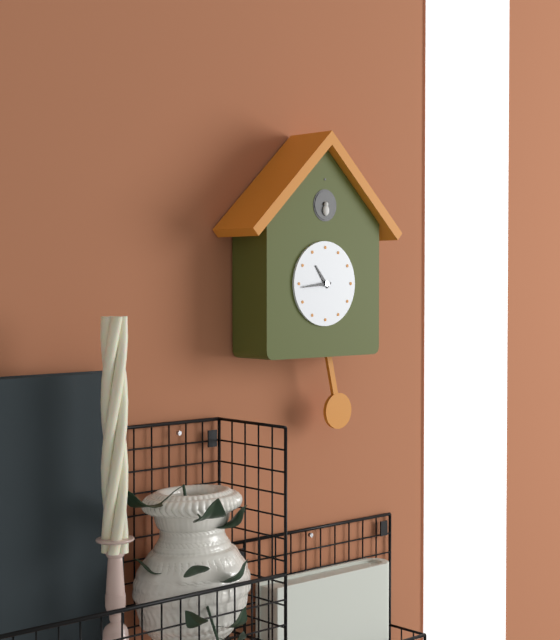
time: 10:44
